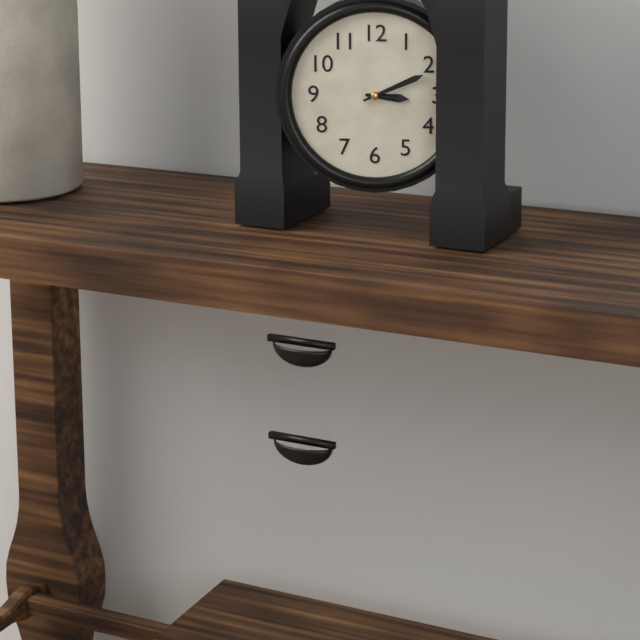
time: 3:11
